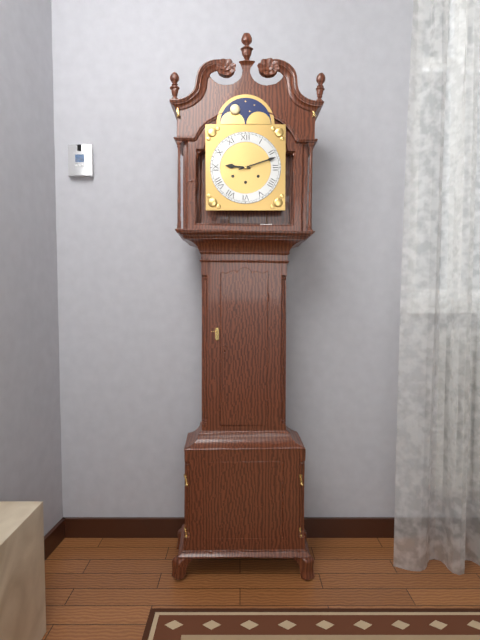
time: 9:12
